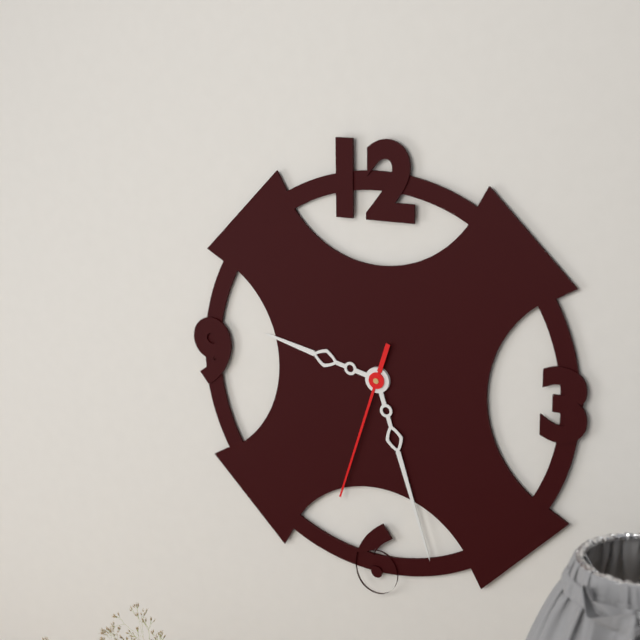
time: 9:27:33
